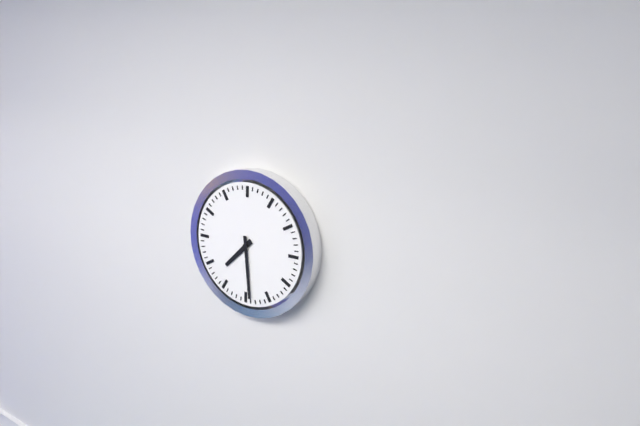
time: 7:29
